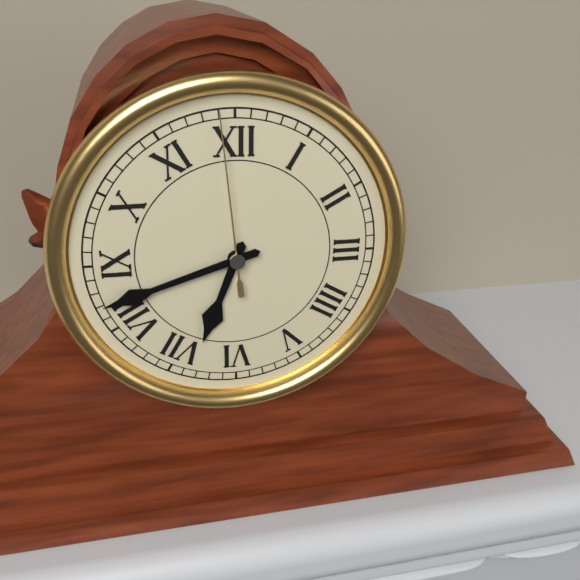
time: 6:42:59
